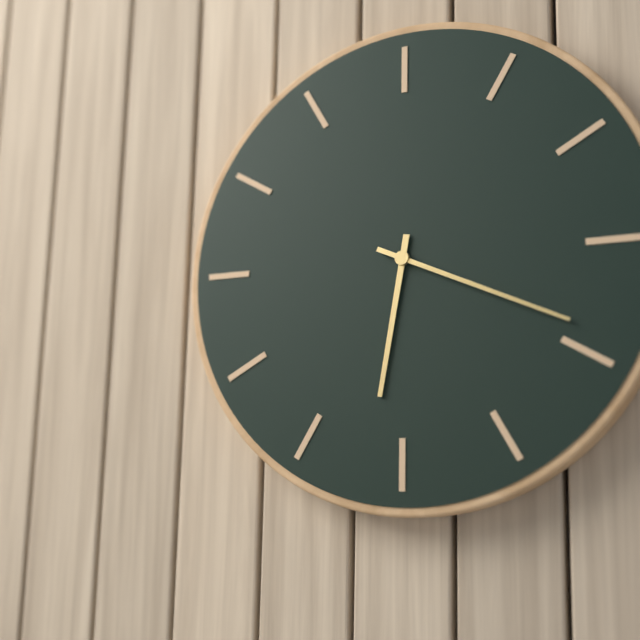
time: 6:19
